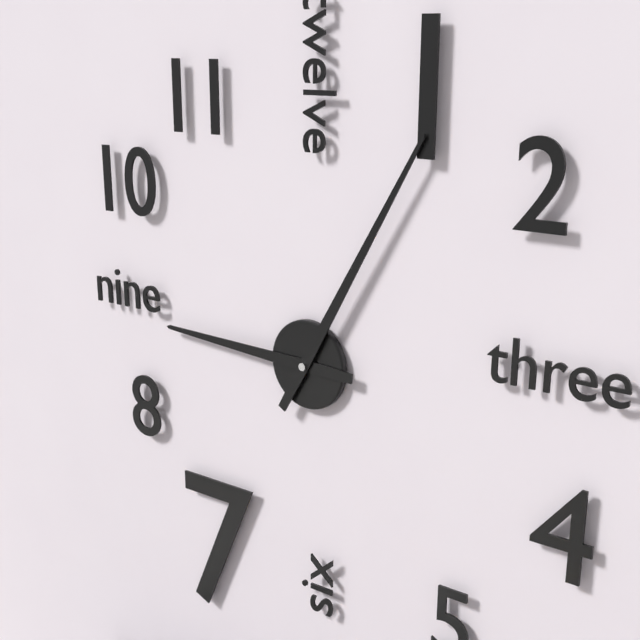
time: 9:05
